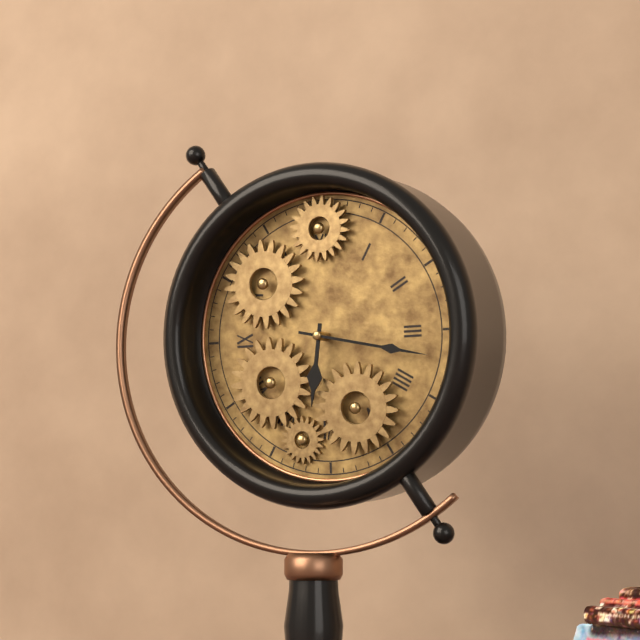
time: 6:17
